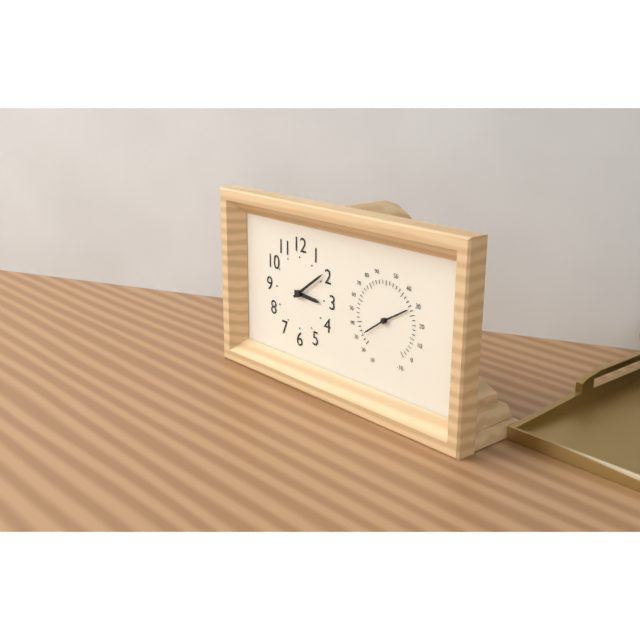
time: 3:09
